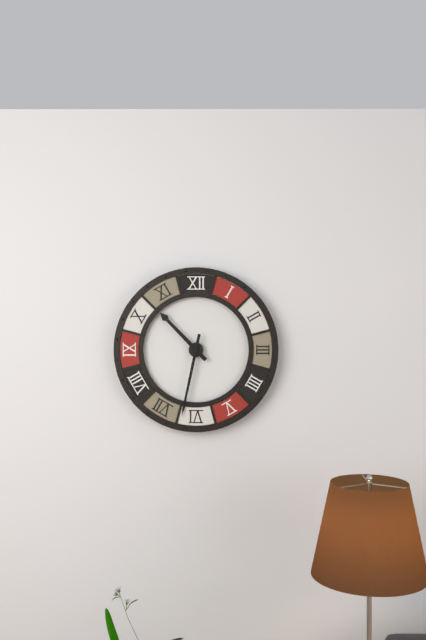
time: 10:32
